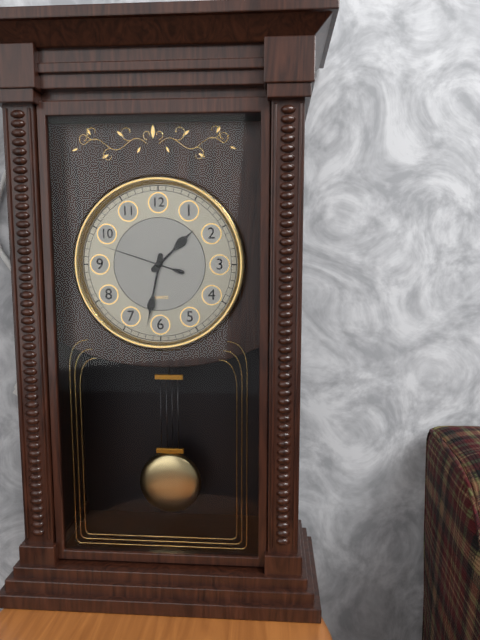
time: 1:32:48
